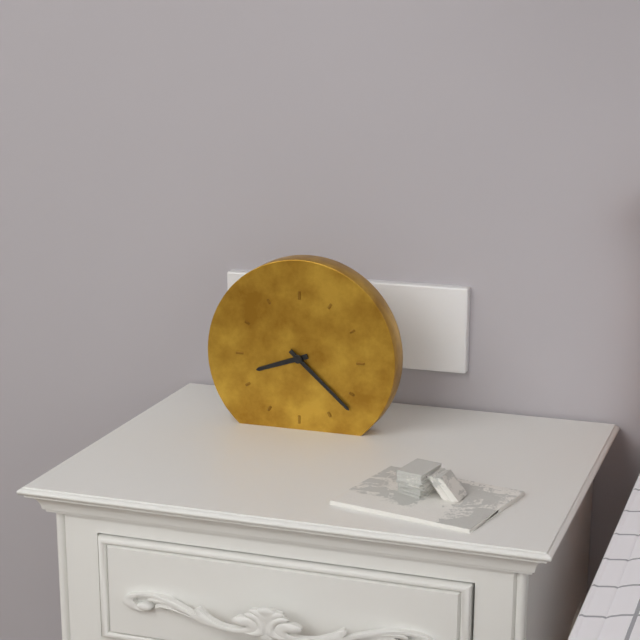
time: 8:22
